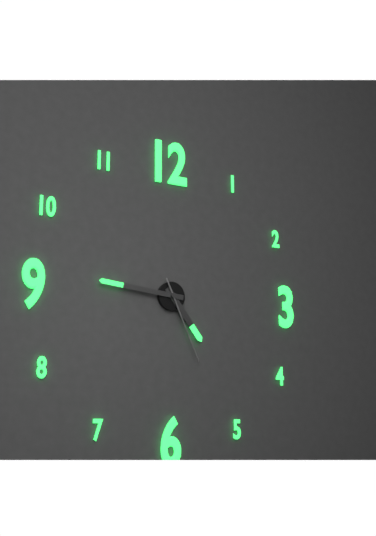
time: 4:46:26
